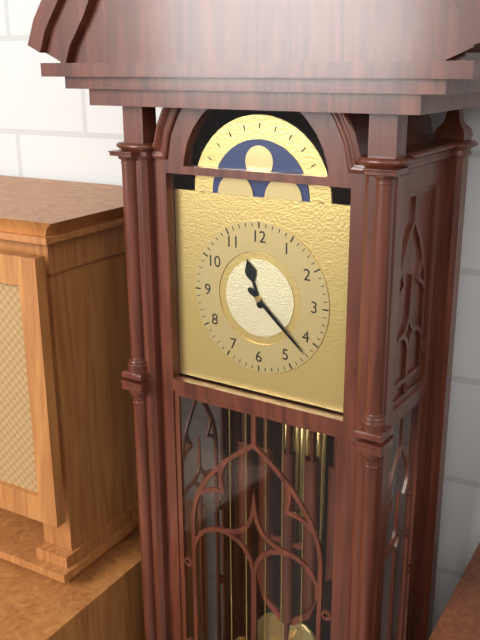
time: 11:22
